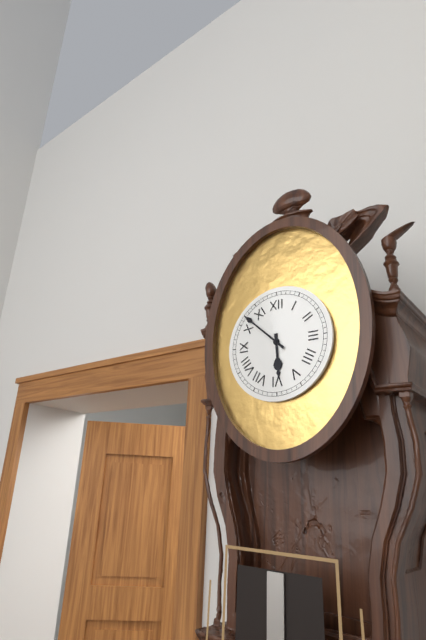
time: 5:52
